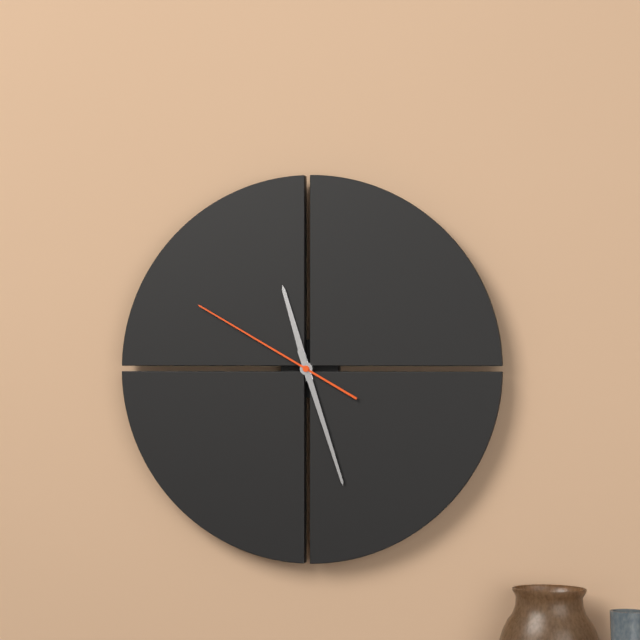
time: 11:27:50
